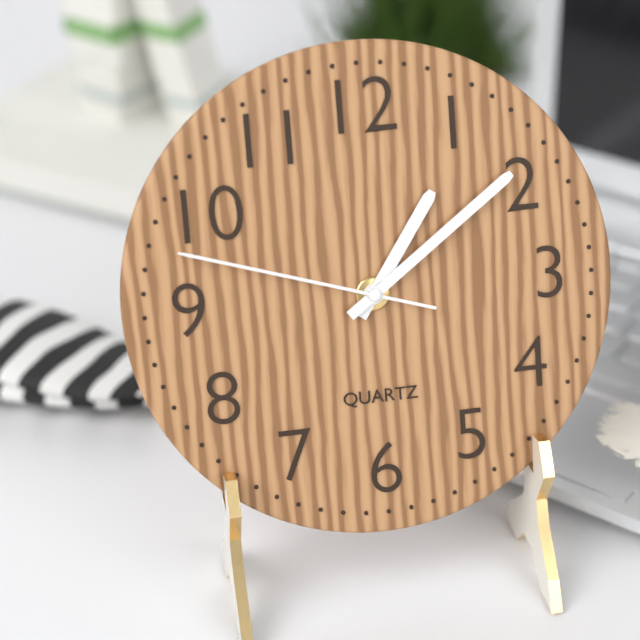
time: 1:09:48
